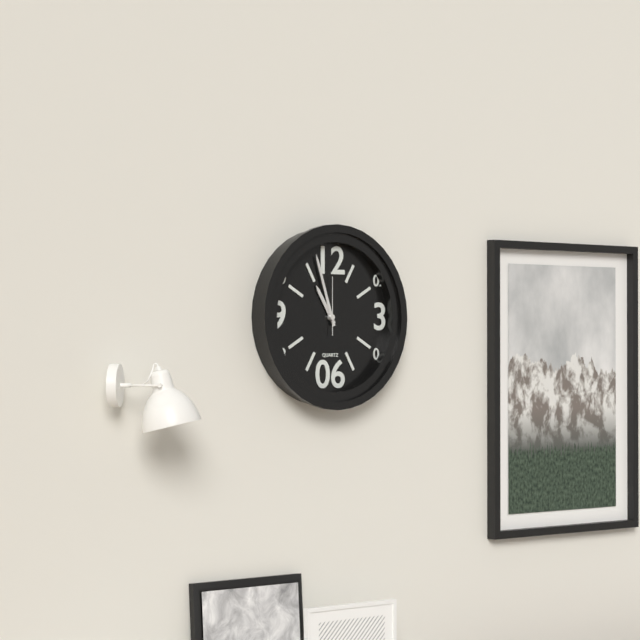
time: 10:57:00
